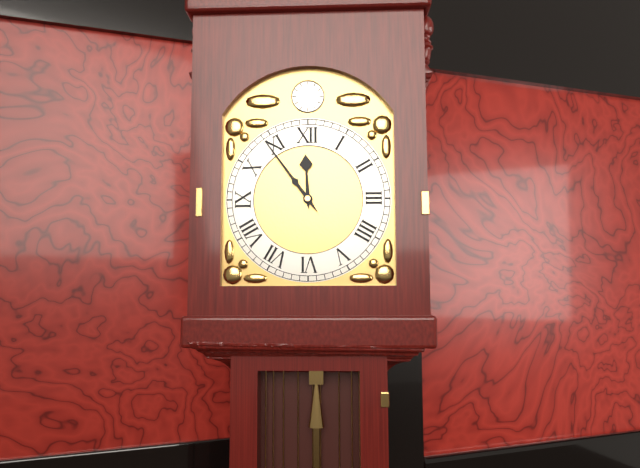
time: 11:54
